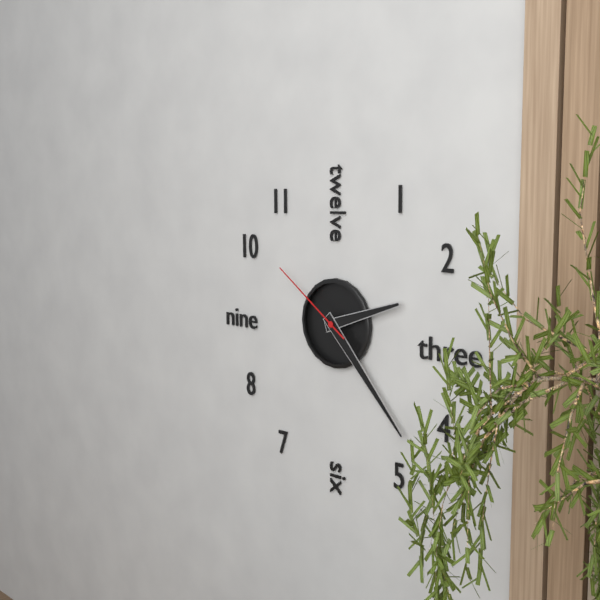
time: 2:23:51
